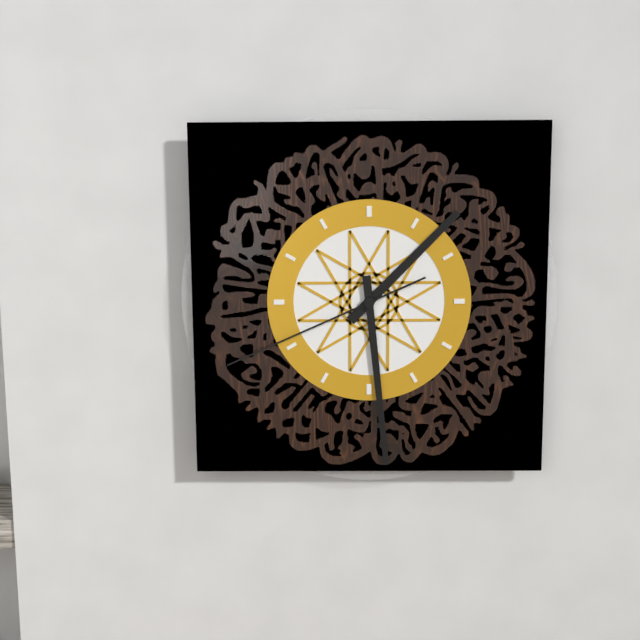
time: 1:29:41
